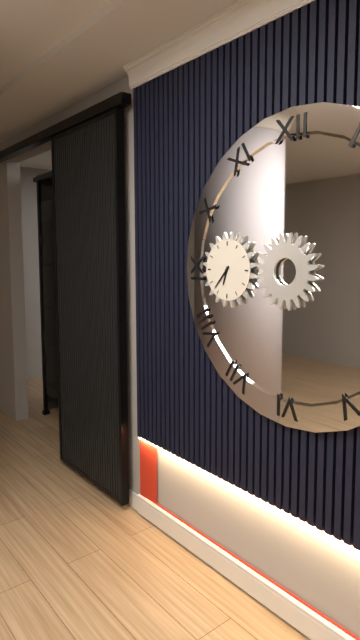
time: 6:37
